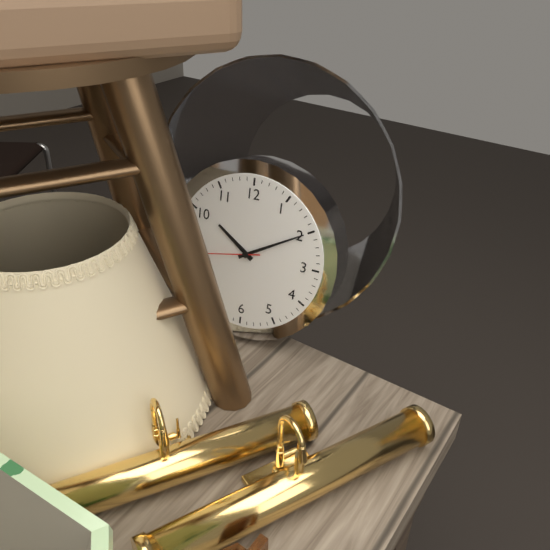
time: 10:10
